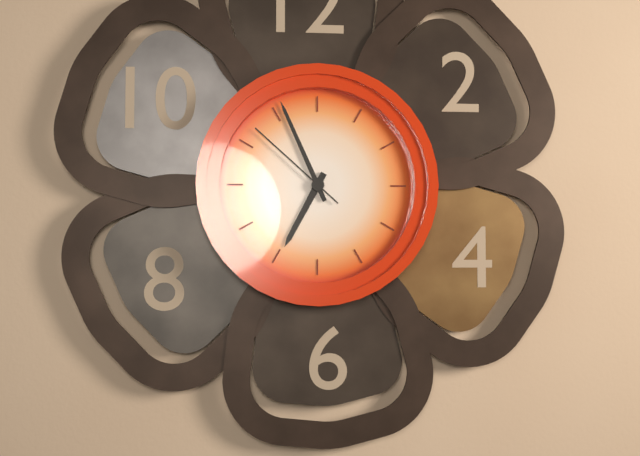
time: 6:56:52
